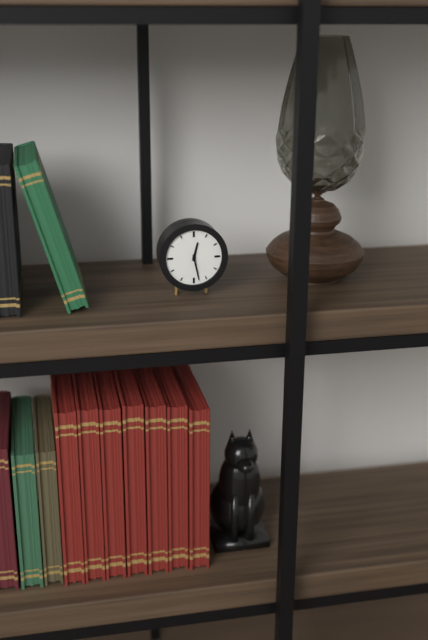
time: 12:28
